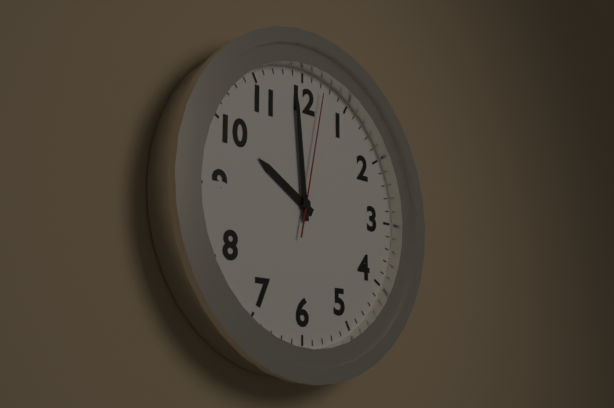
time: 9:59:02
